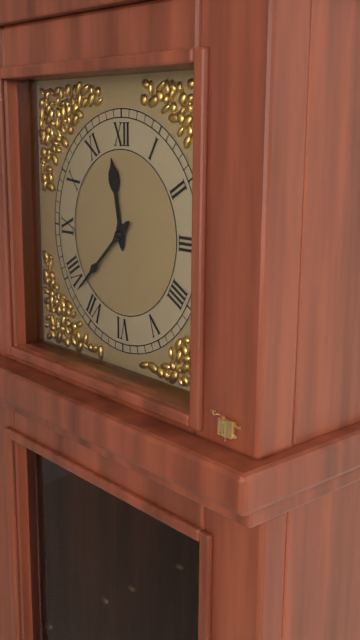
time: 11:38
